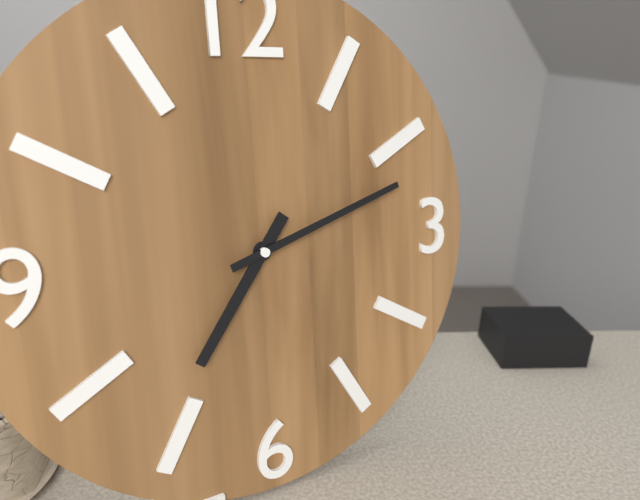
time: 7:12
